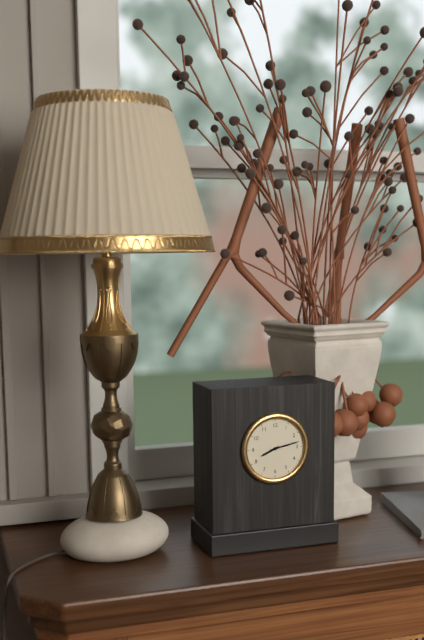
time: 8:13
